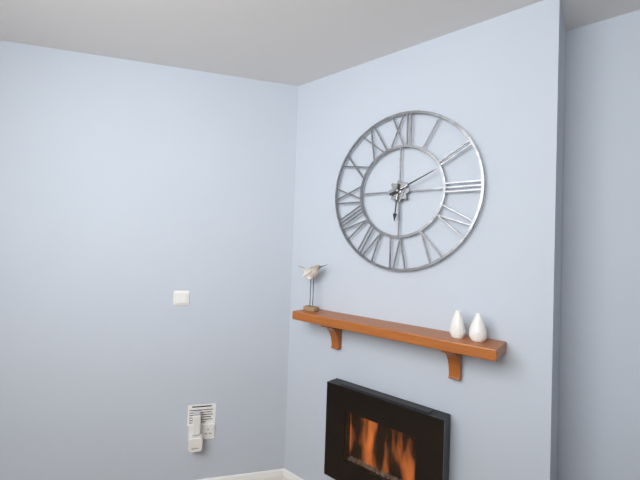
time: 6:11
